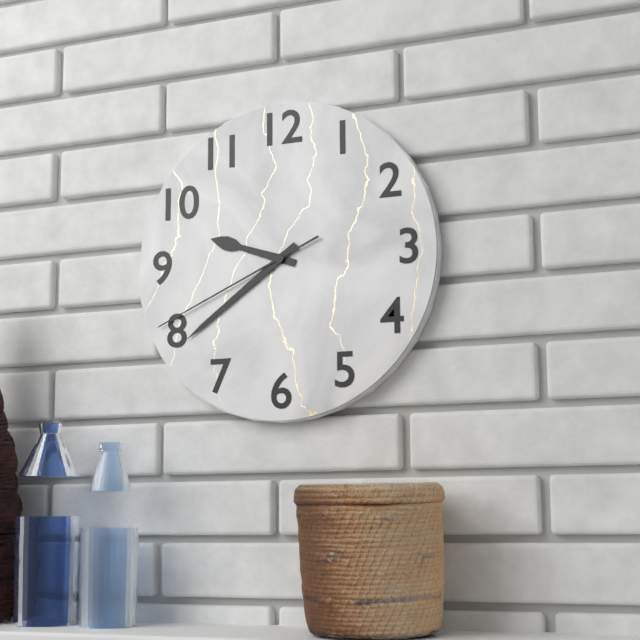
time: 9:39:41
